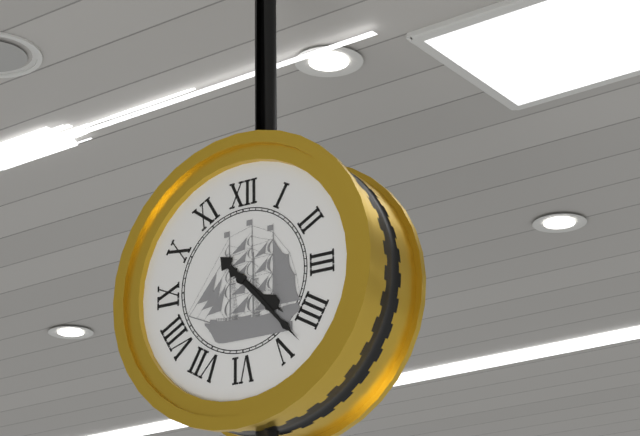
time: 4:23
